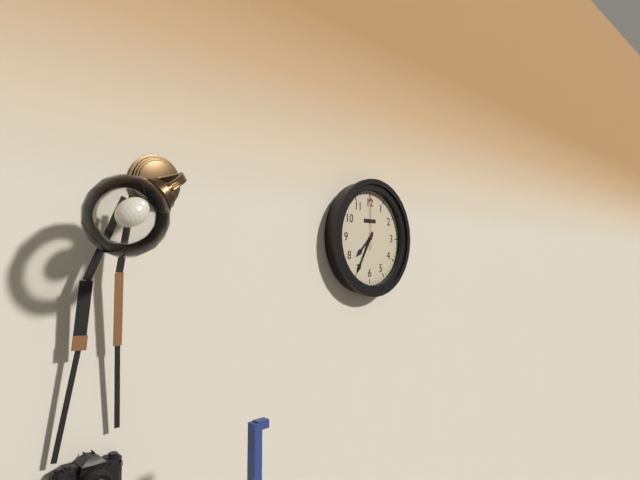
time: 7:35:00
